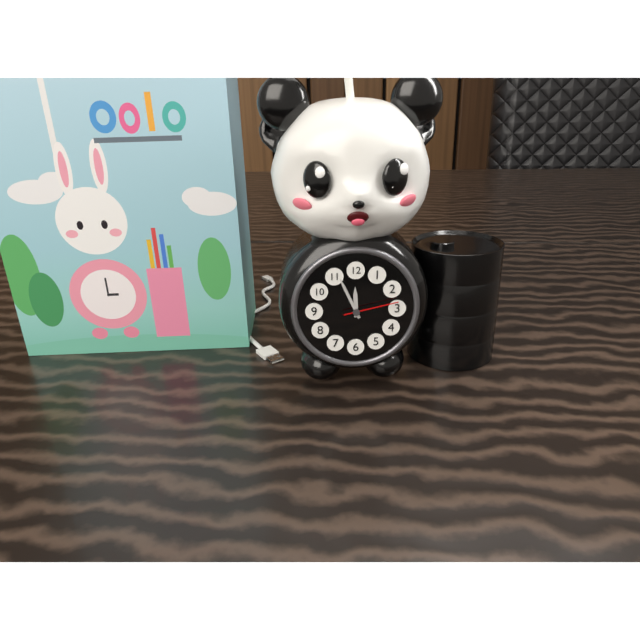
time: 11:56:13
